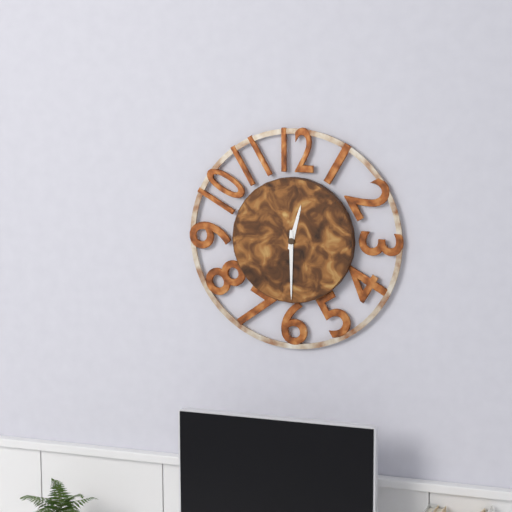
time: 12:30
